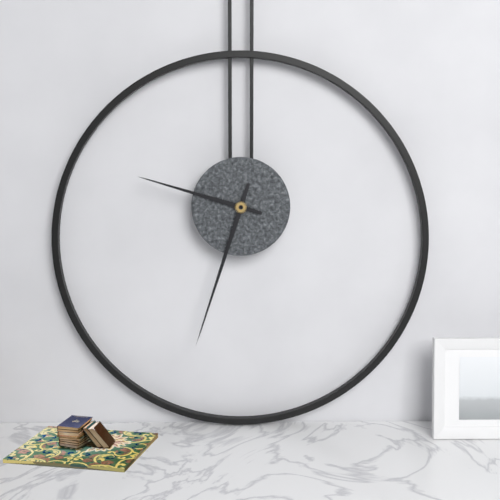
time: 9:33
